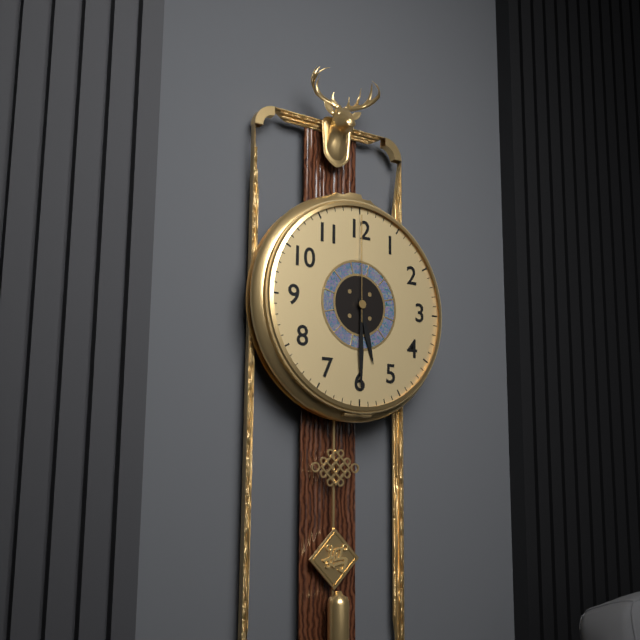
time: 5:30:00
